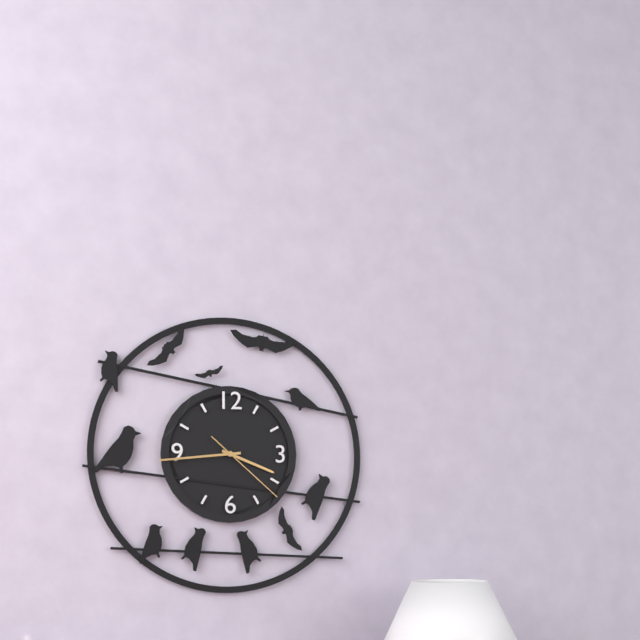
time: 3:44:22
